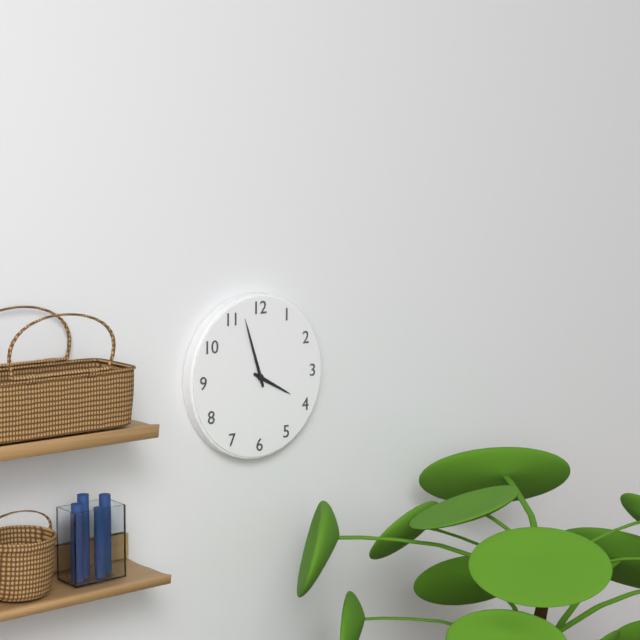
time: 3:57
